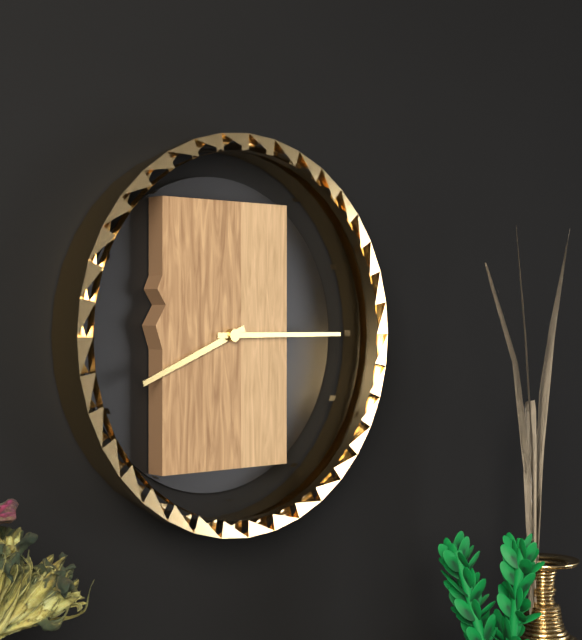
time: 8:15
